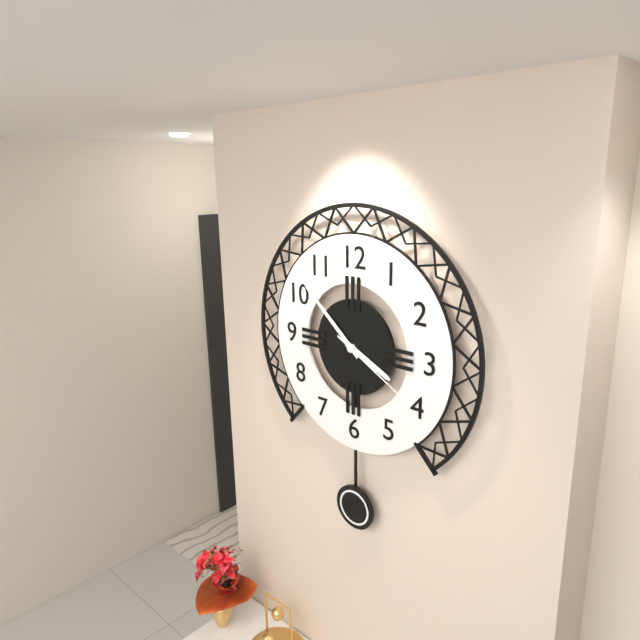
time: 3:52:20
